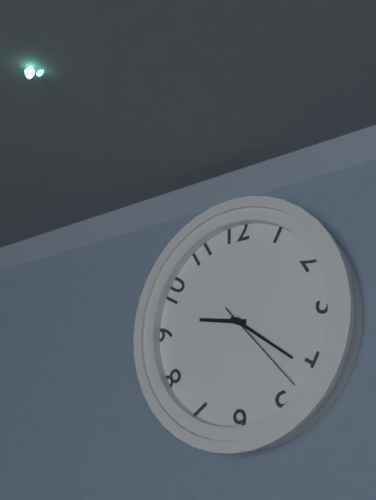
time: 9:21:23
